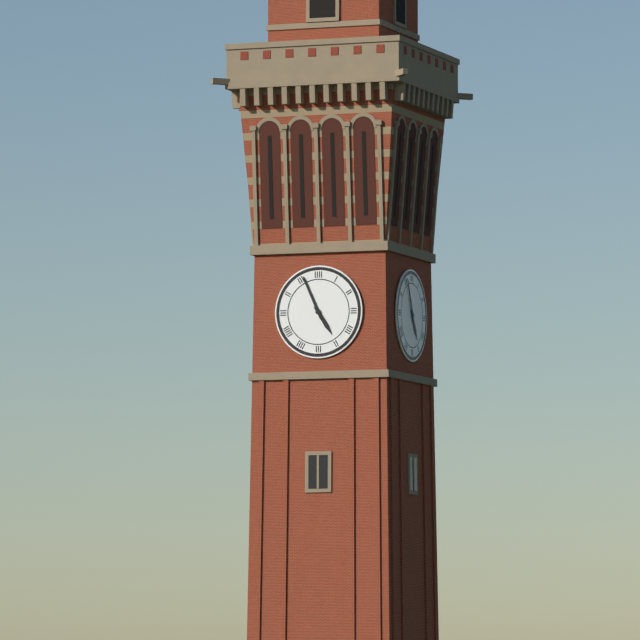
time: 4:56
